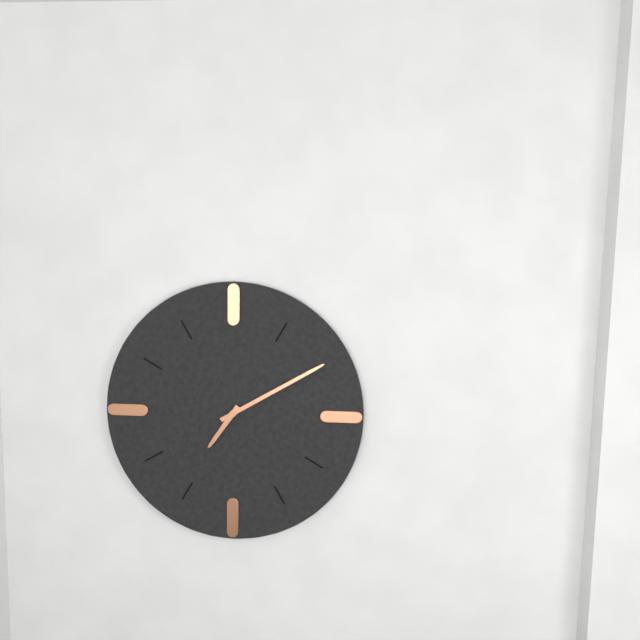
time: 7:10
